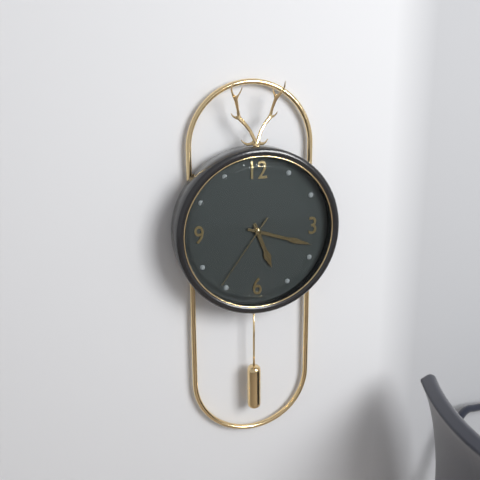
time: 5:18:36
